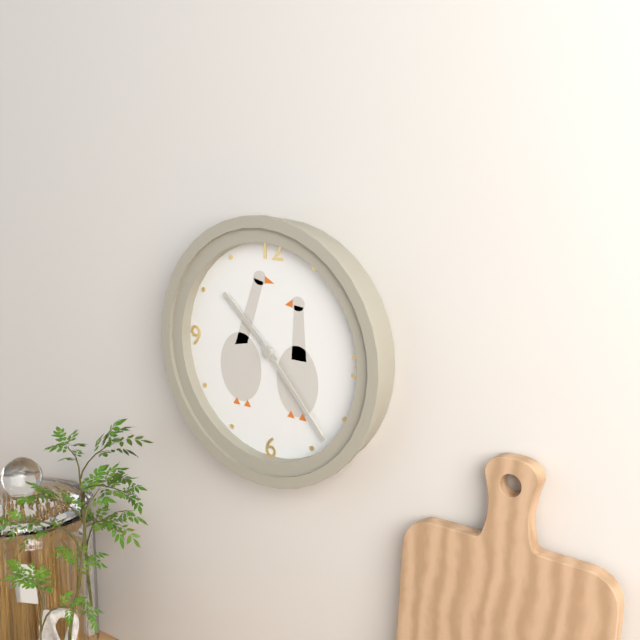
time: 10:23
